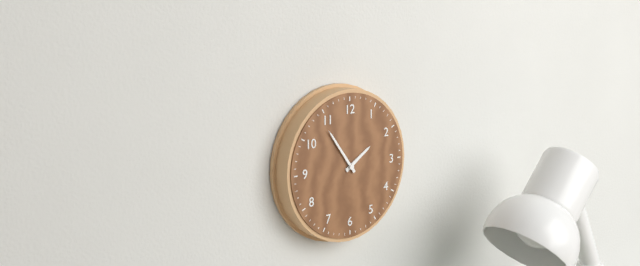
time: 1:54
